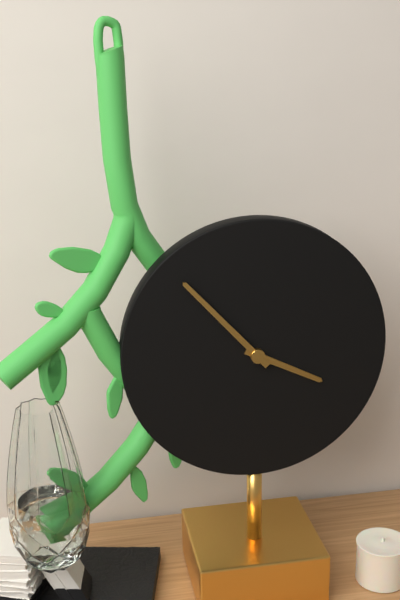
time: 3:53
